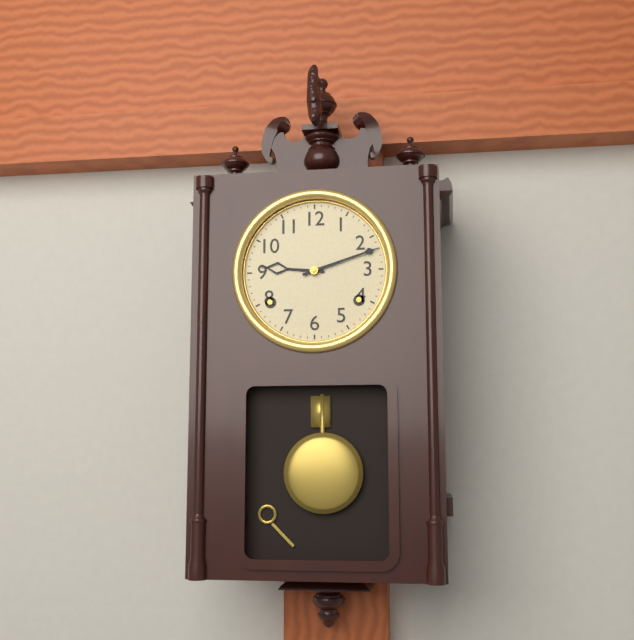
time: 9:12
